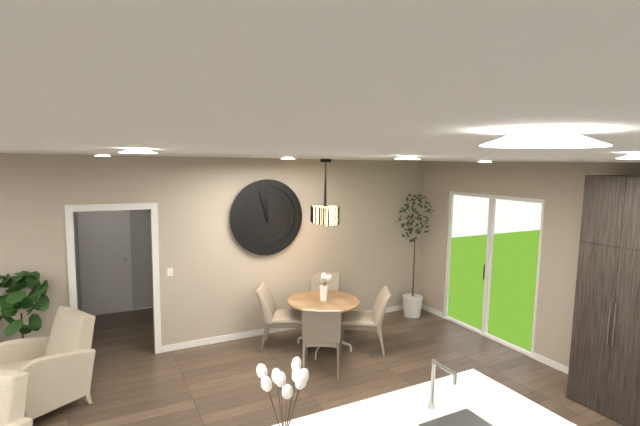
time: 11:57
